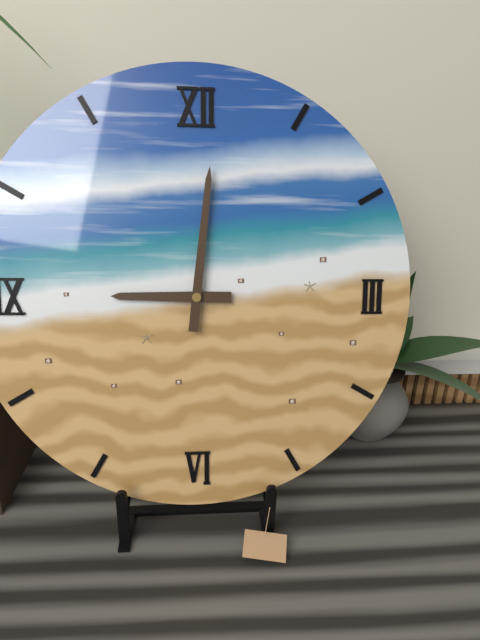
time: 9:01
